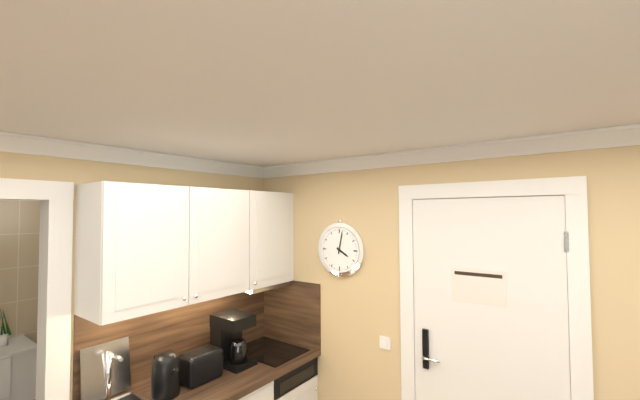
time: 4:02
